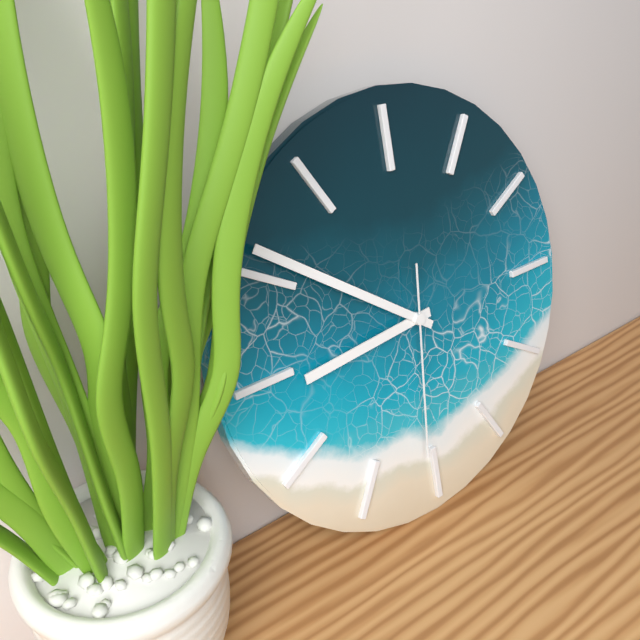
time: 8:51:31
